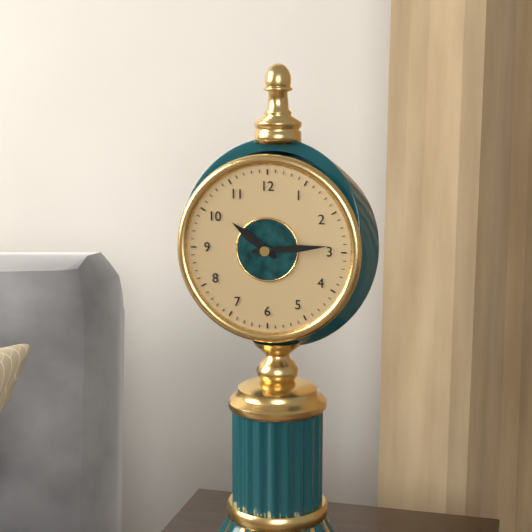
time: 10:14
